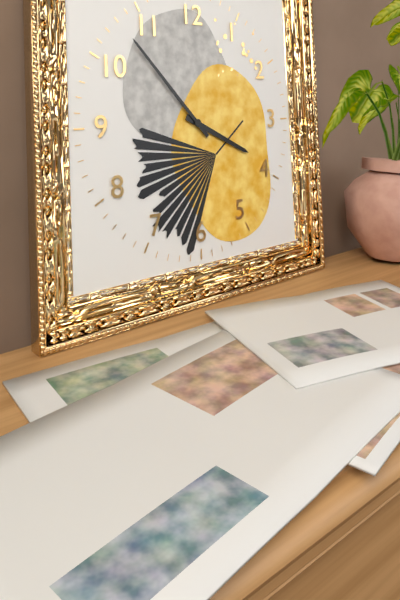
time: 3:53
